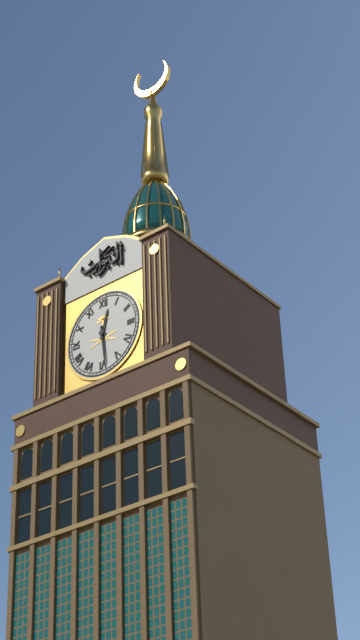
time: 12:29
